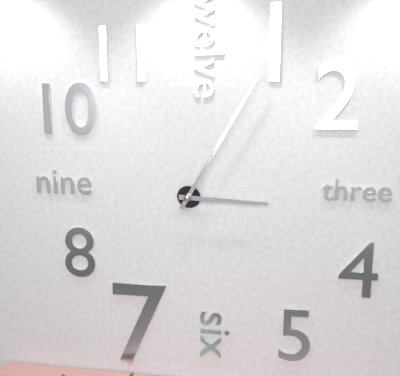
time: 3:05
